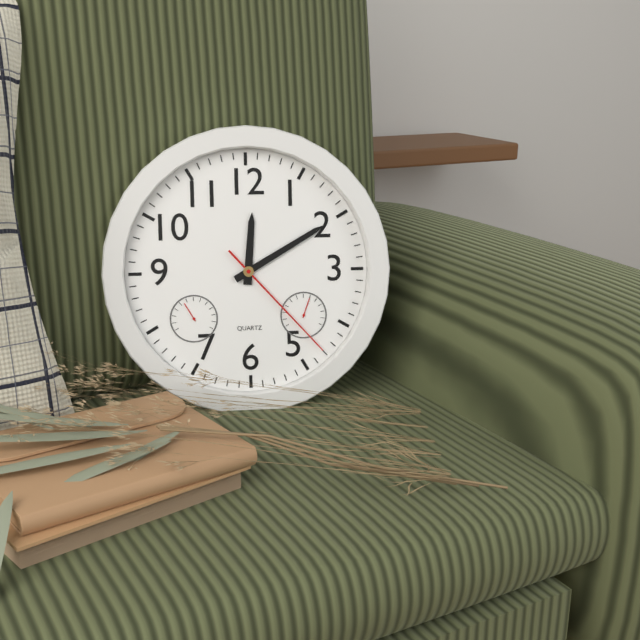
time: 12:10:23
